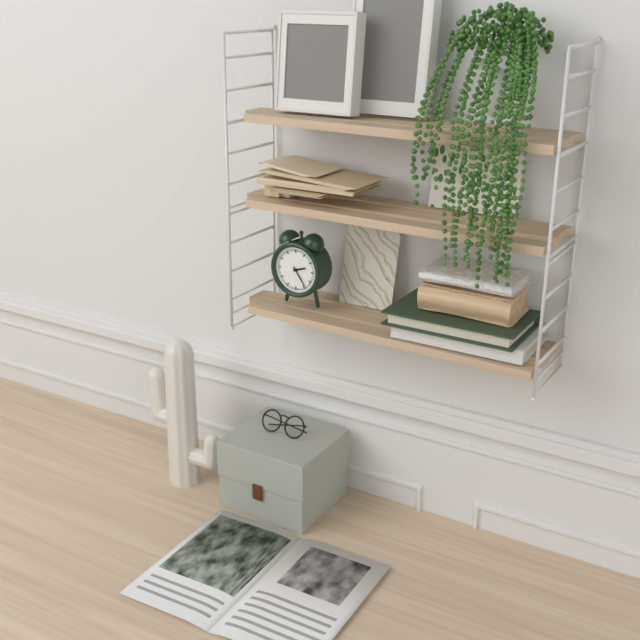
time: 2:24
